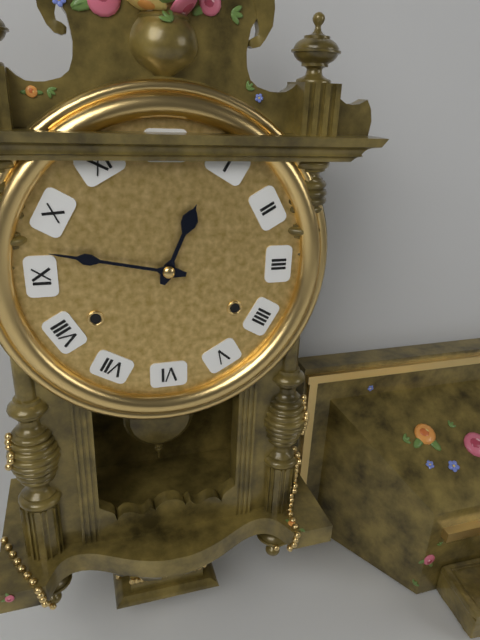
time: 12:47
